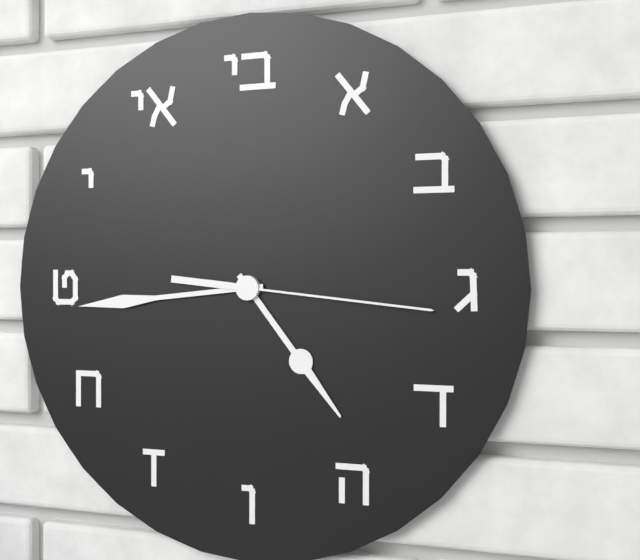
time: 4:44:16
